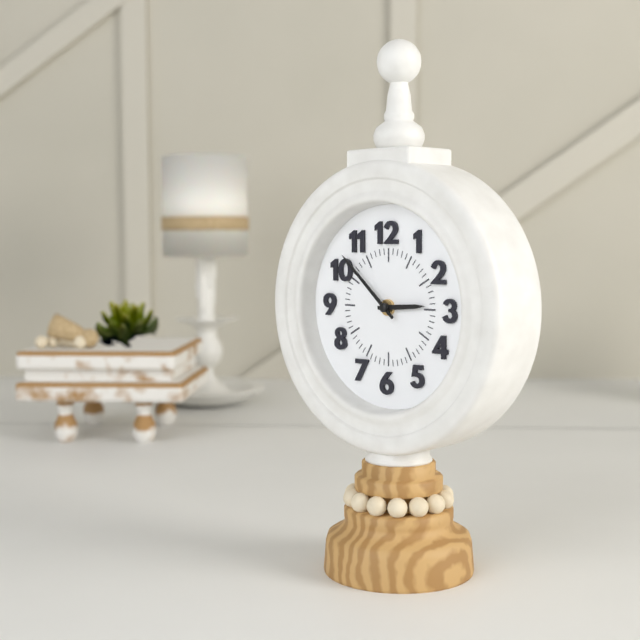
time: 2:52
